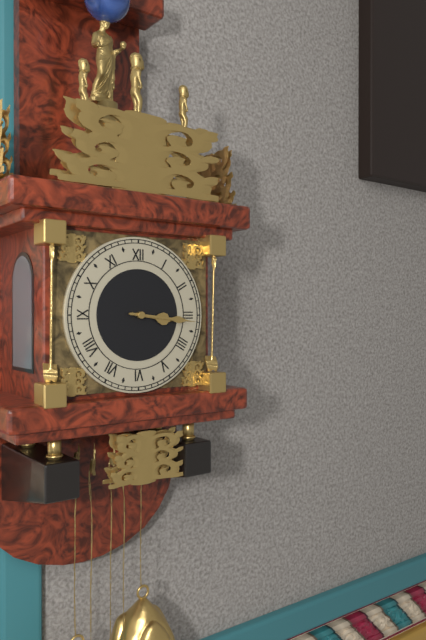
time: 3:16
